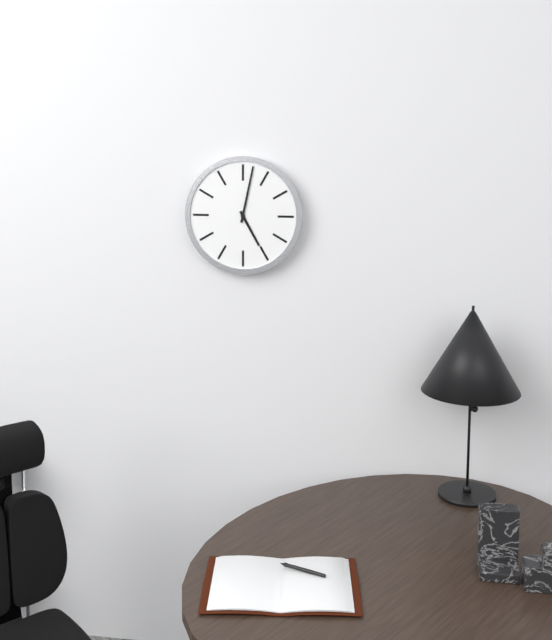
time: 5:02
